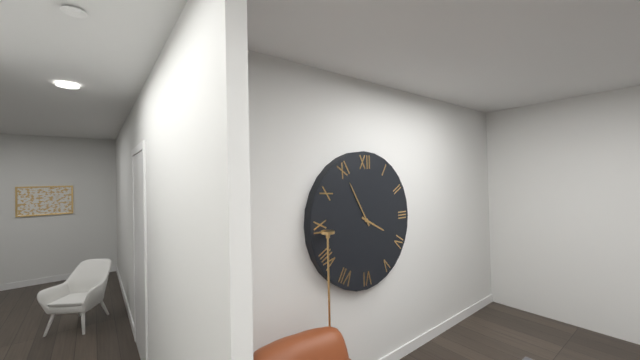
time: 3:55
